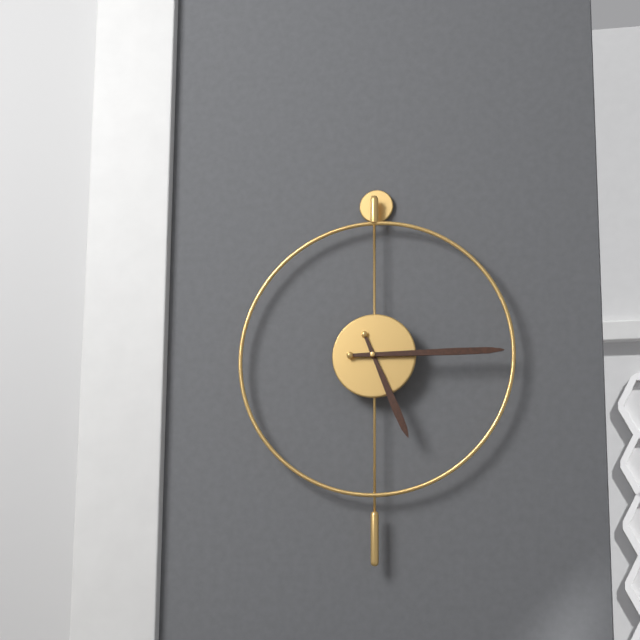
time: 5:15
